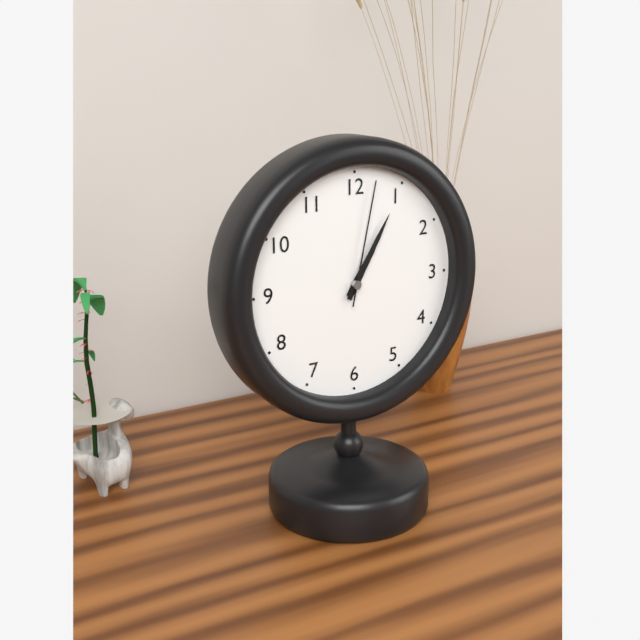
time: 1:05:02
